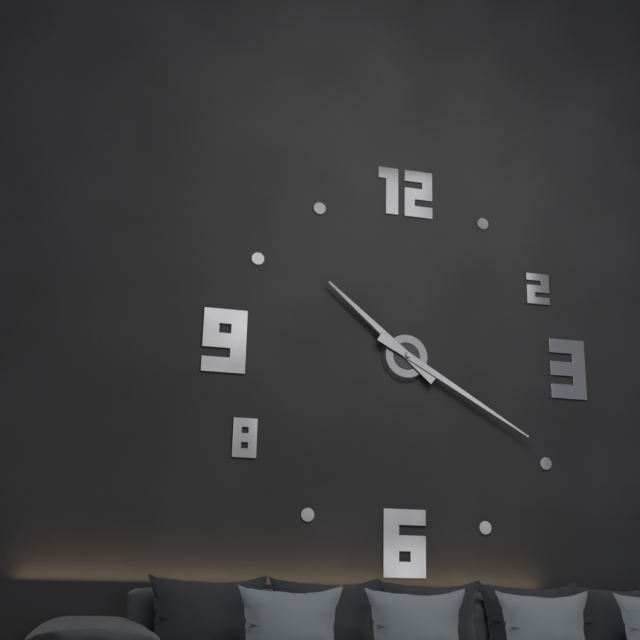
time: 10:20
